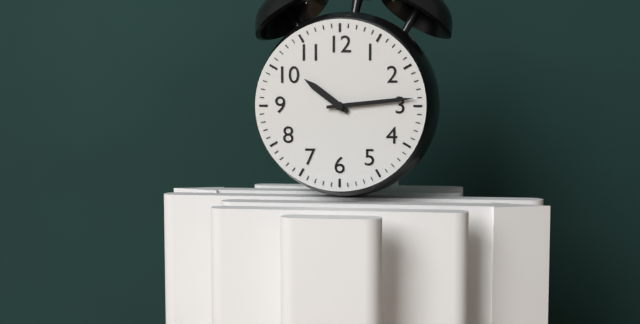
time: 10:14
